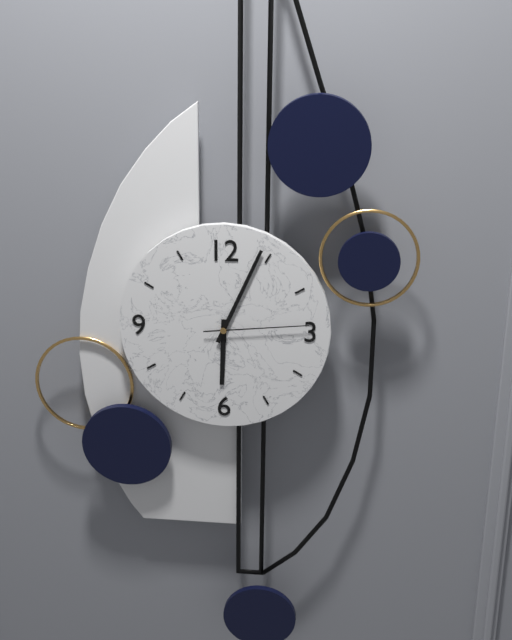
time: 6:04:14
